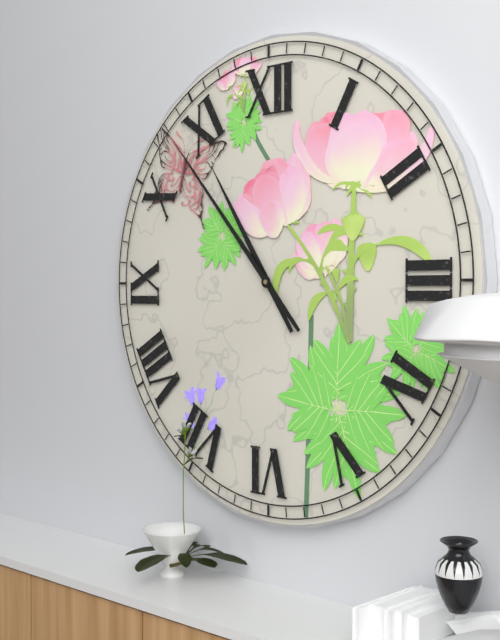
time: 10:53
